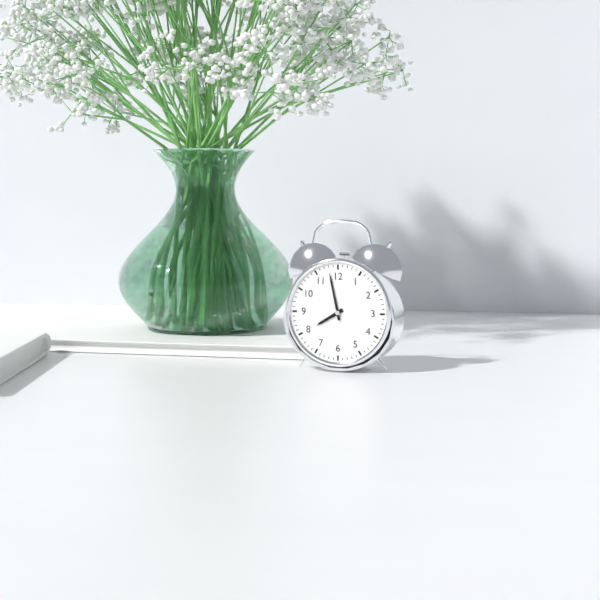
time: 7:58
